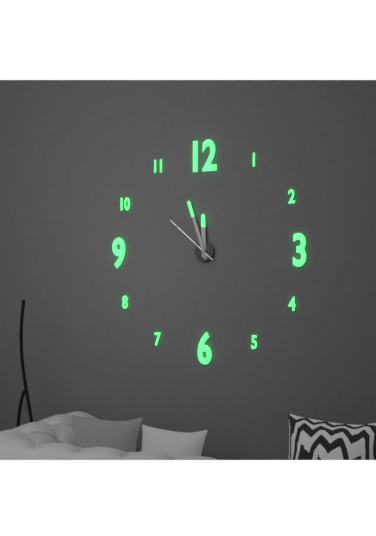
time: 11:57:52
